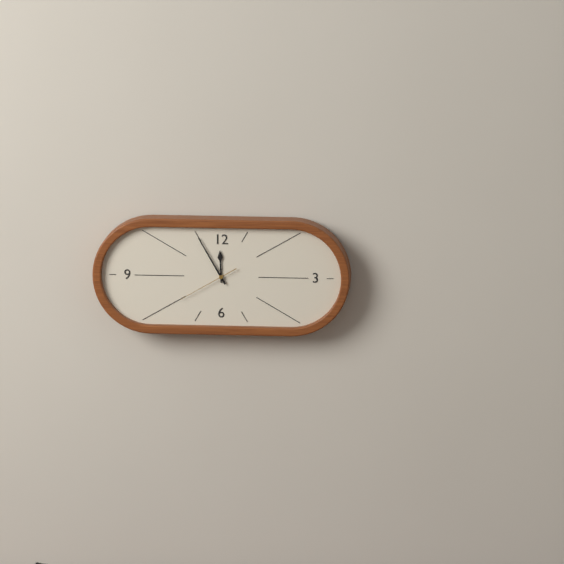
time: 11:55:40
